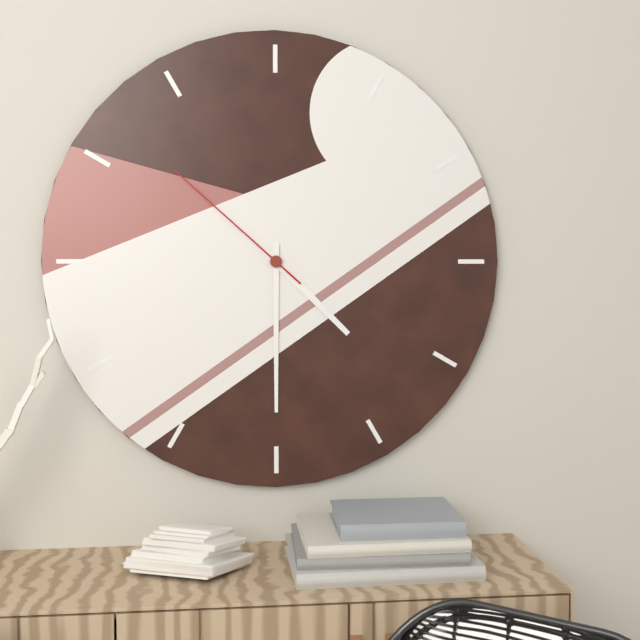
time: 4:30:52
